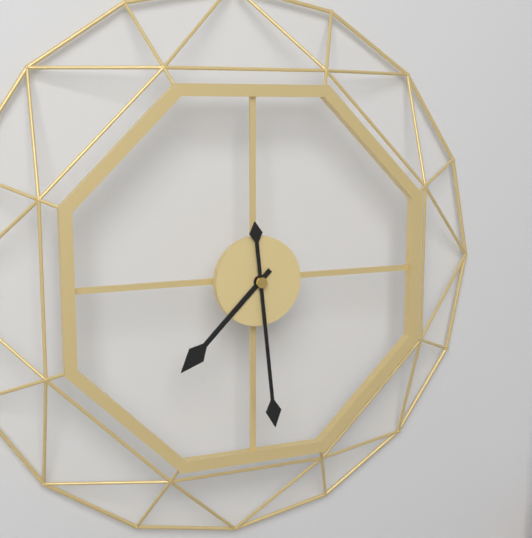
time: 7:29
